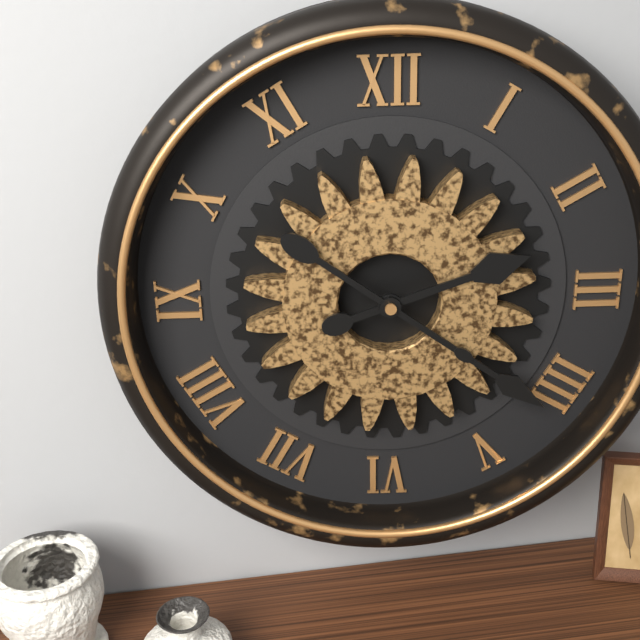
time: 2:21
